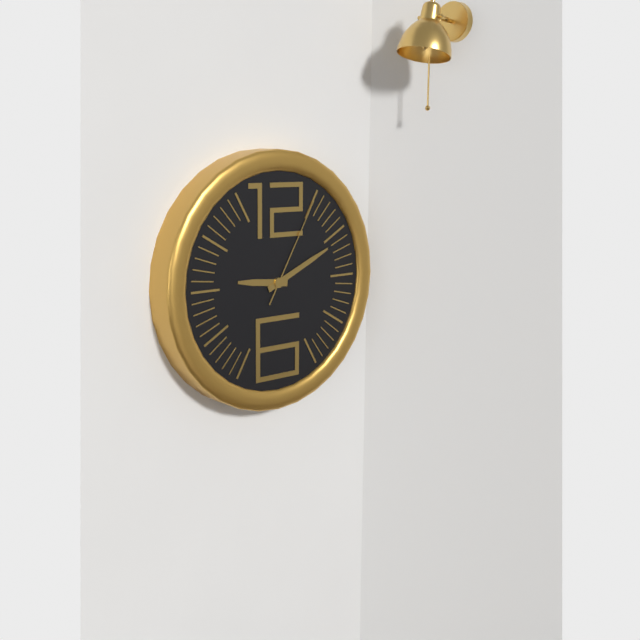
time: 9:11:05
